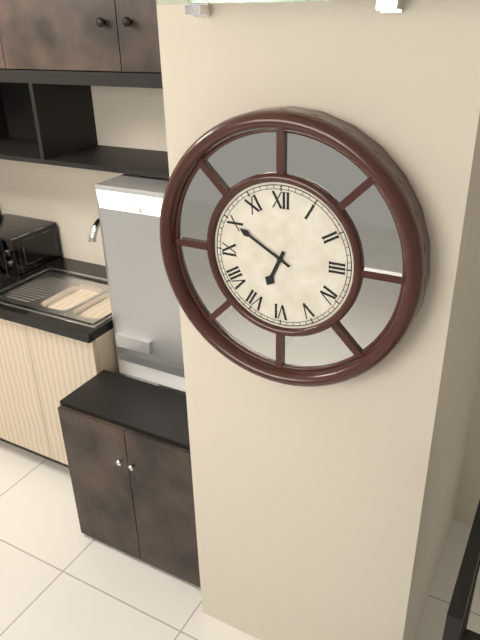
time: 6:50
